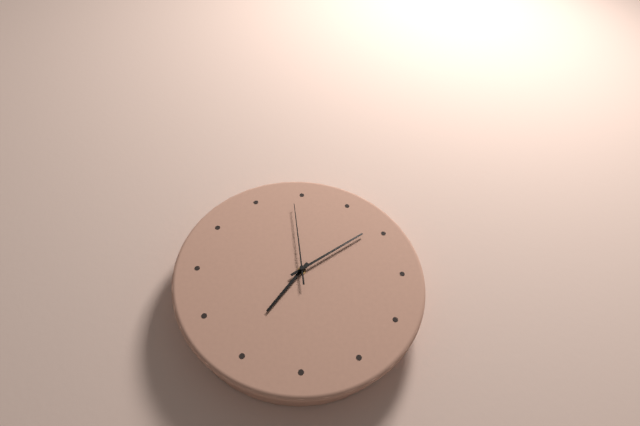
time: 7:09:59
